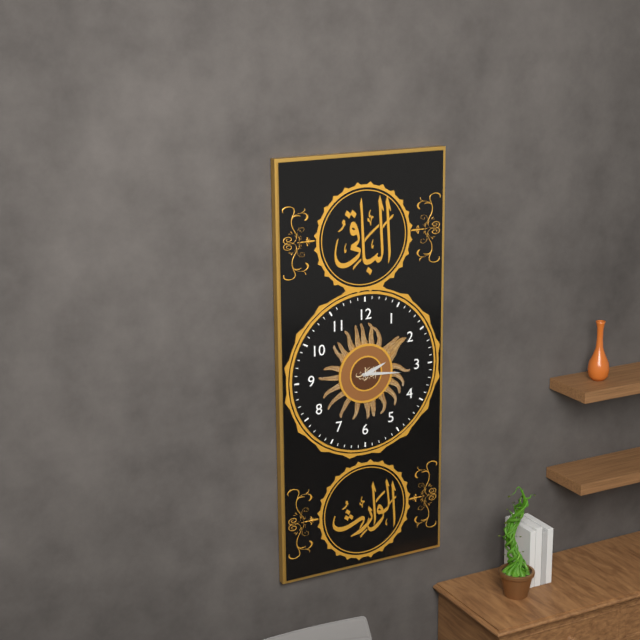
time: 2:16
